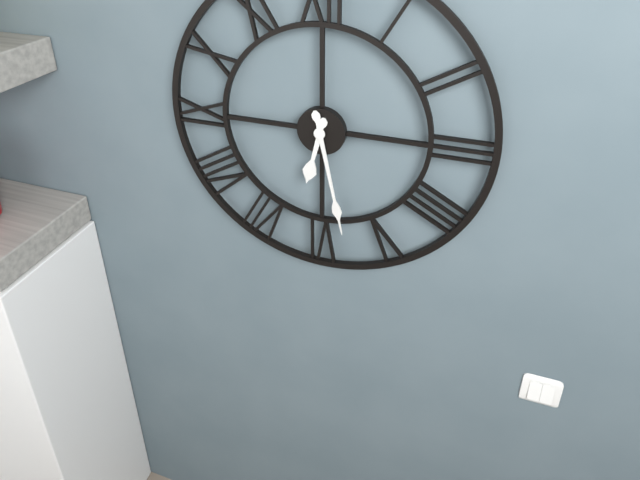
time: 6:28
